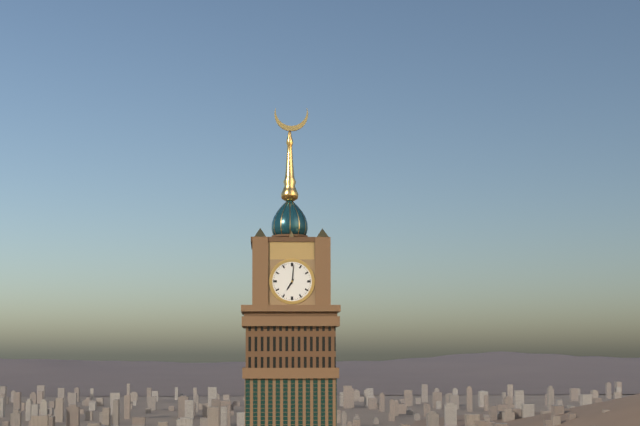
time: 7:01
